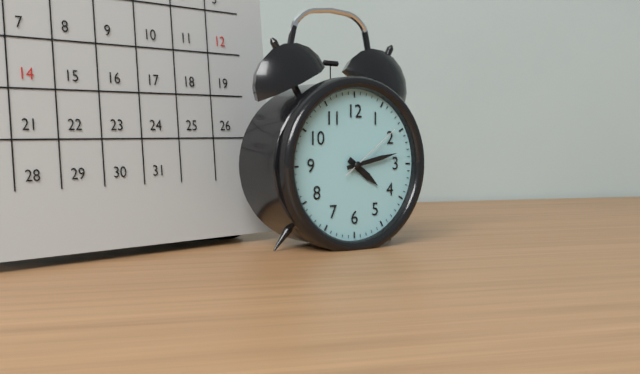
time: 4:13:09
